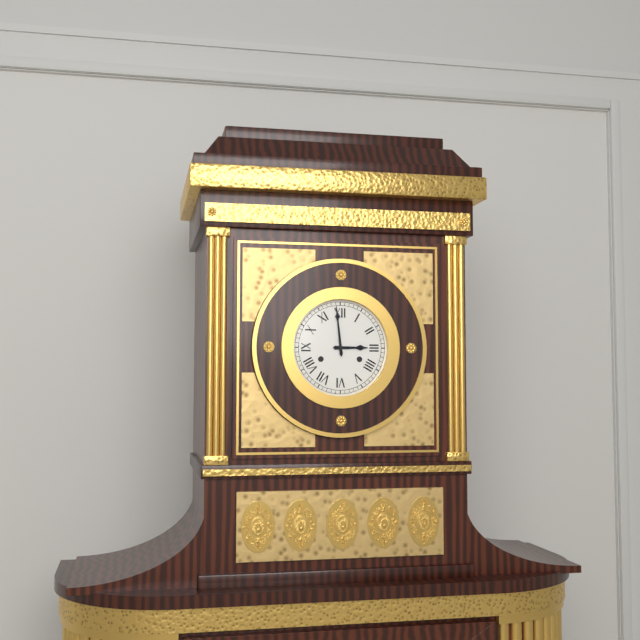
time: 2:59
